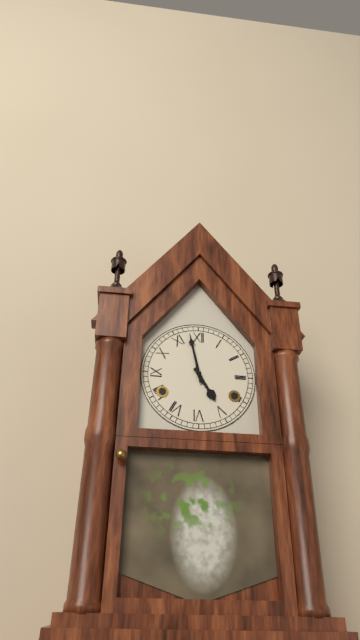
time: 4:58
